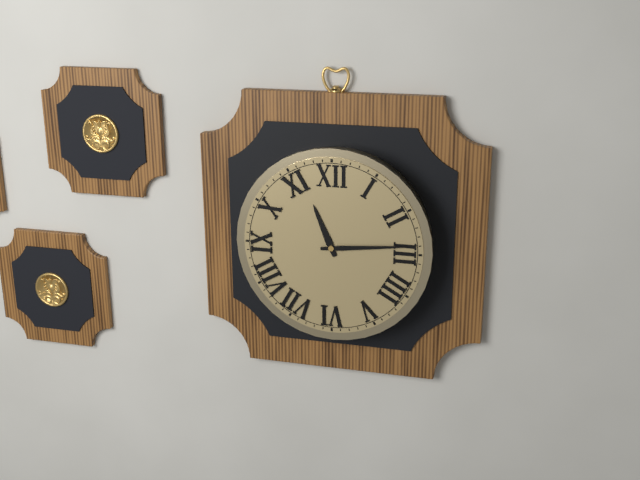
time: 11:14
